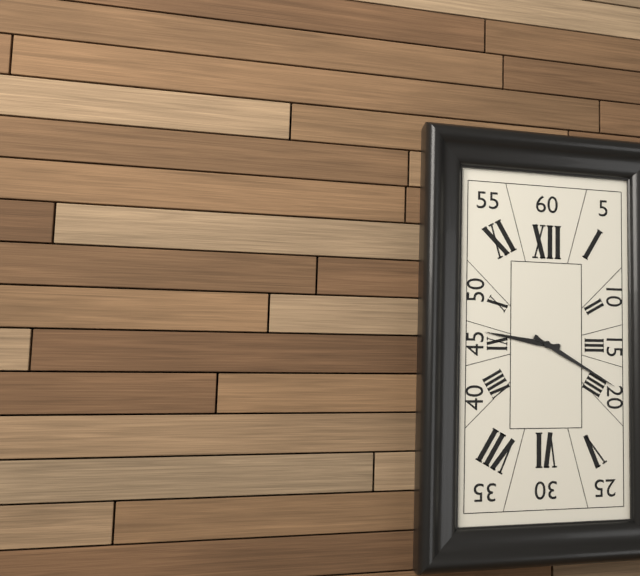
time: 9:20
